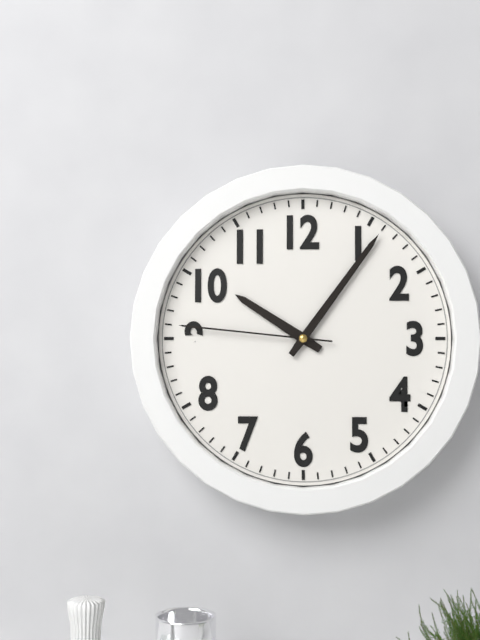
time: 10:06:46
